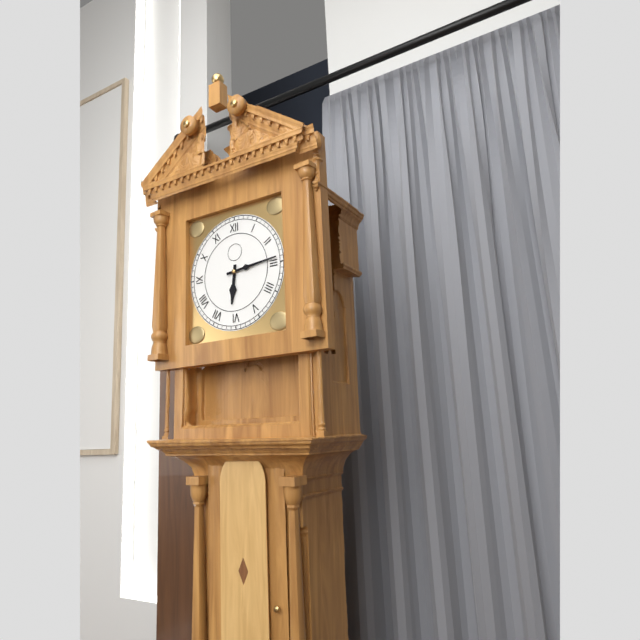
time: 6:14
